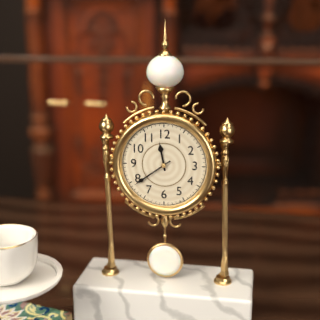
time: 11:39
